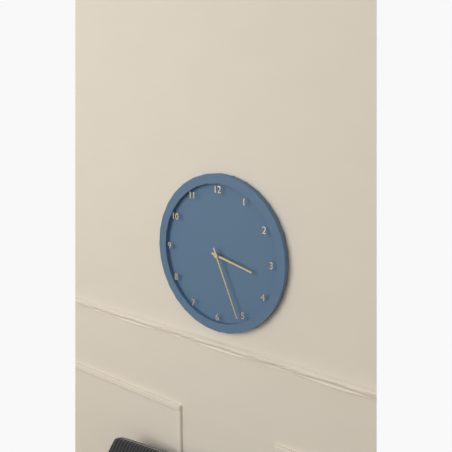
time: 3:26
